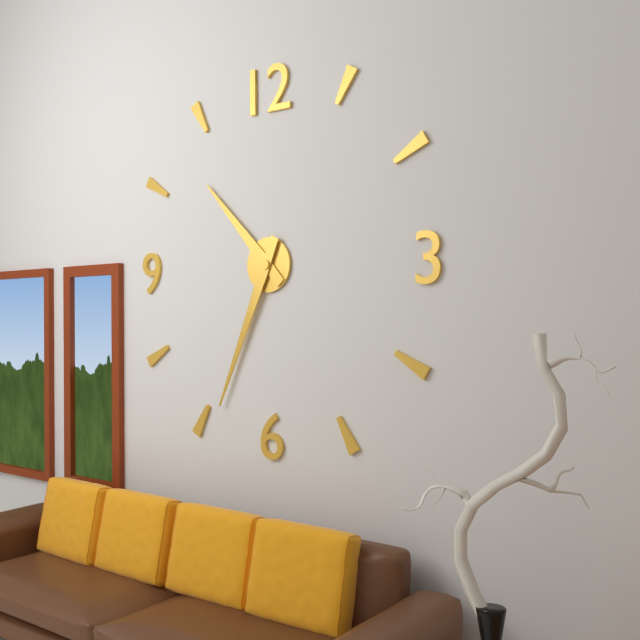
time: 10:34
